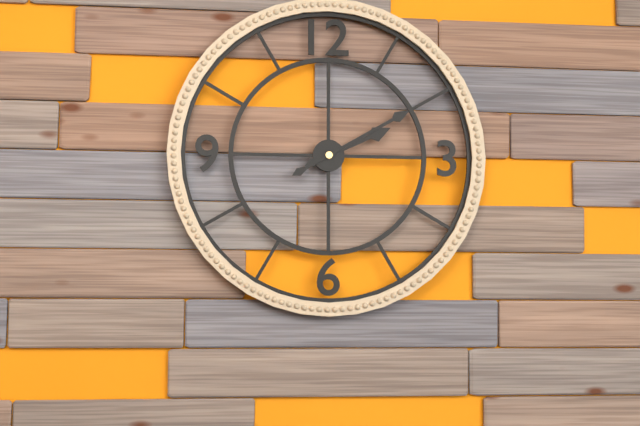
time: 2:10
